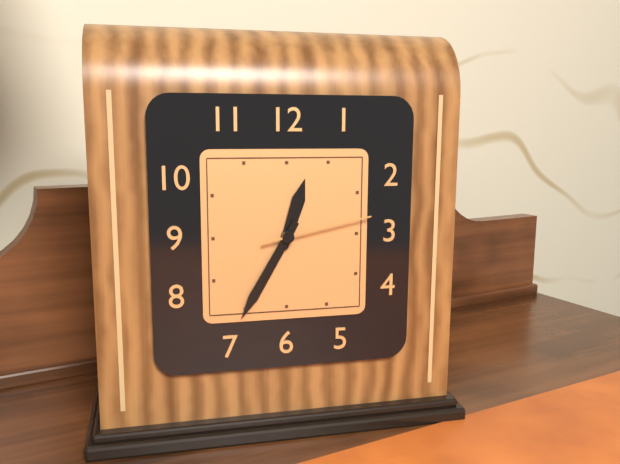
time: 12:35:13
